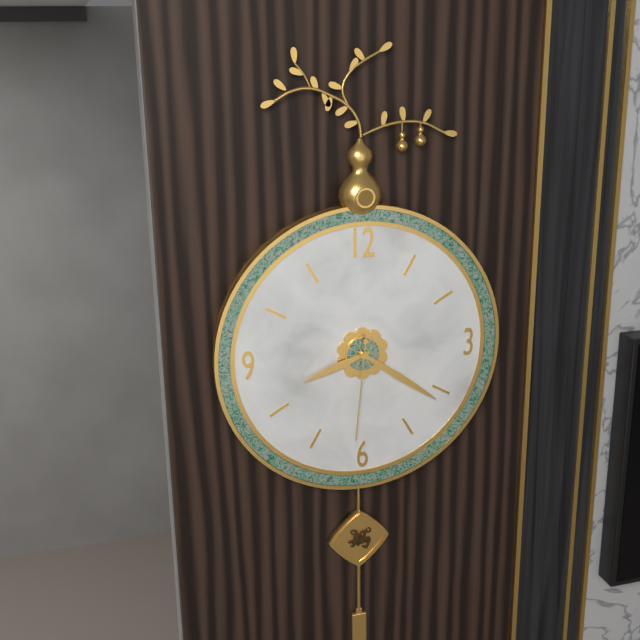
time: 8:21:31
